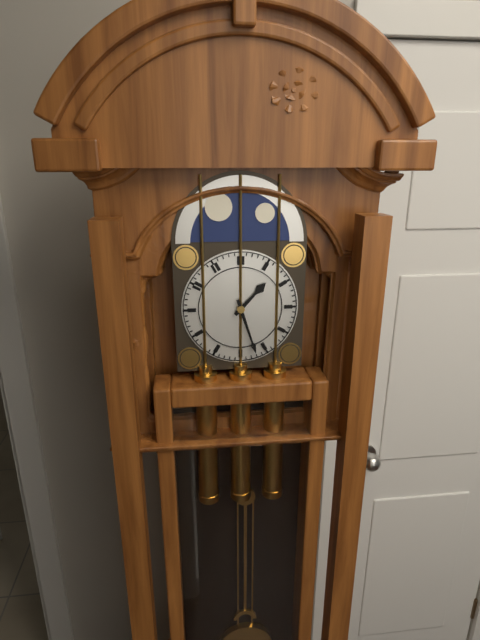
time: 1:27
